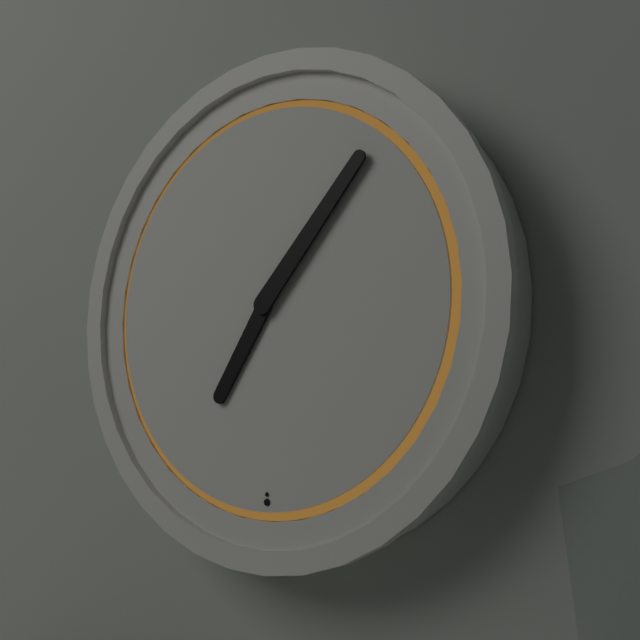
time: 7:07
